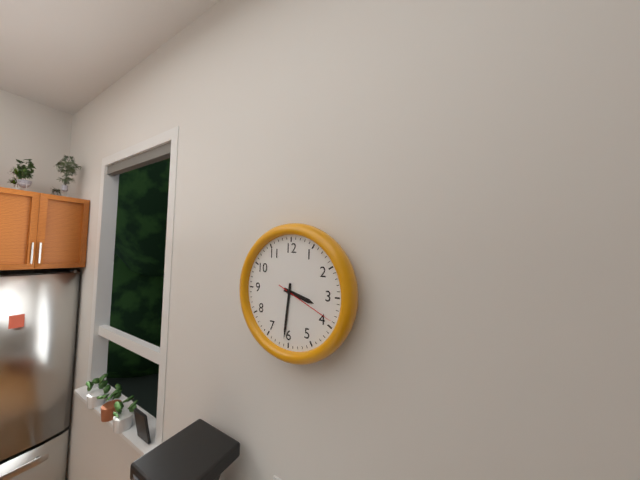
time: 3:31:19
